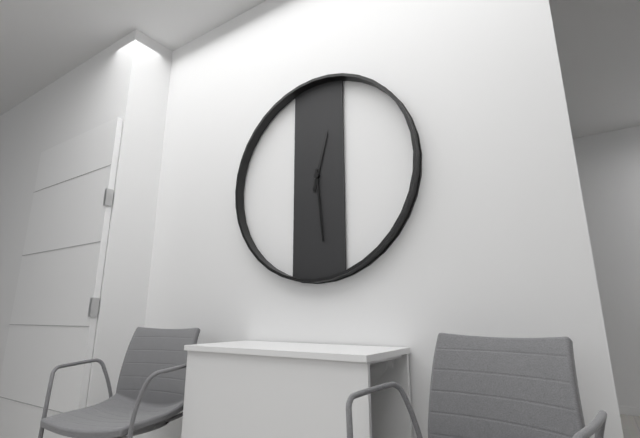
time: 12:29
